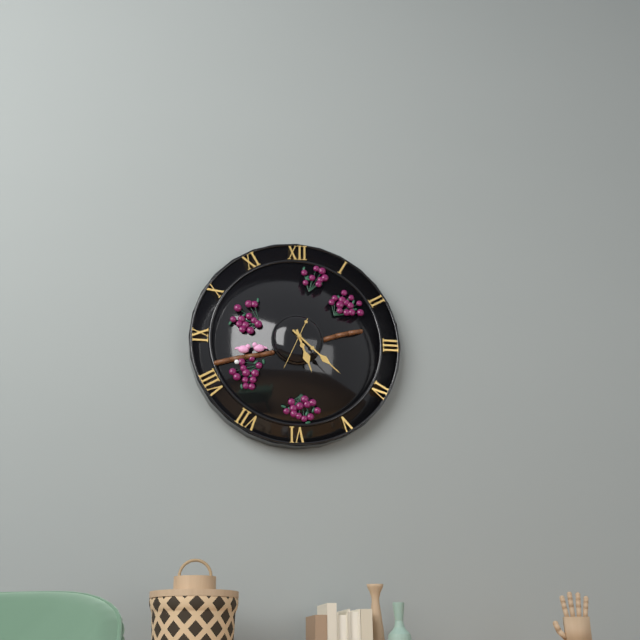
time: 5:22
